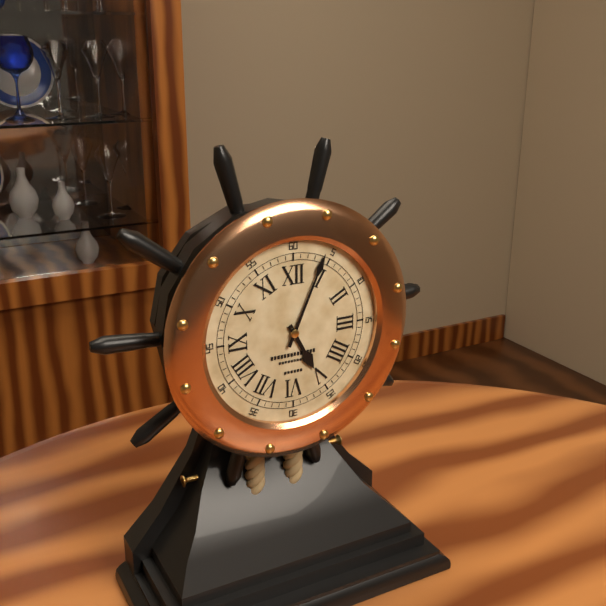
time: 5:04
